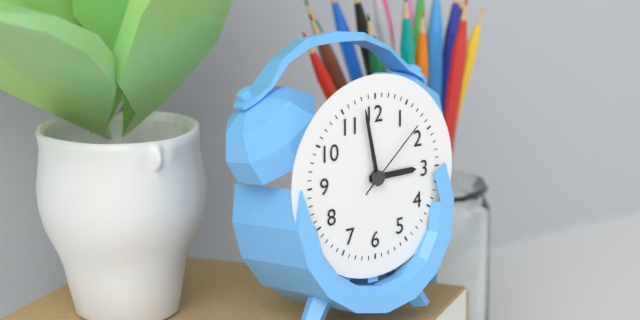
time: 2:58:08
